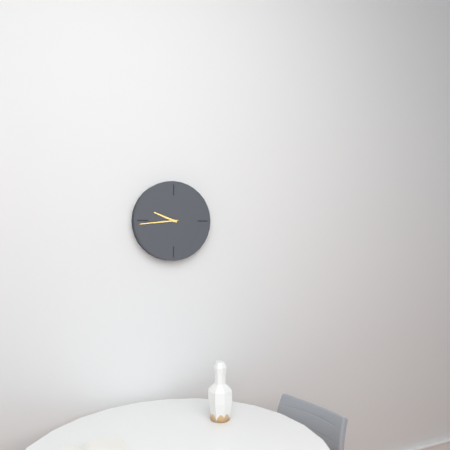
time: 9:44
